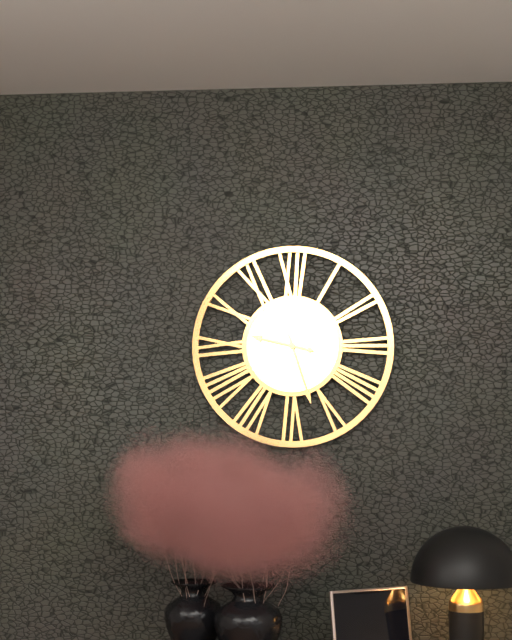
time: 9:27
